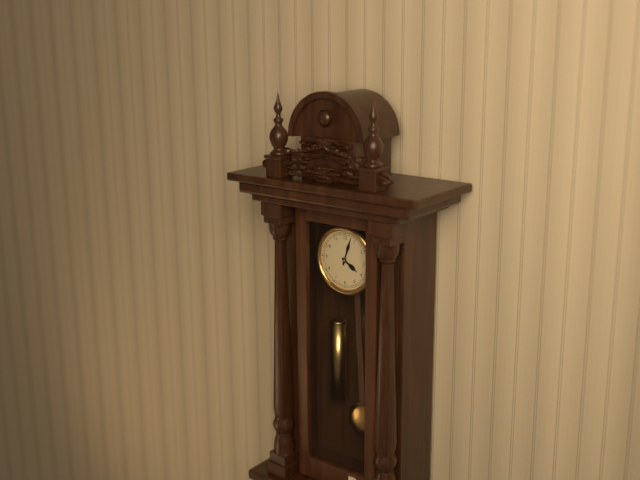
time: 4:03
